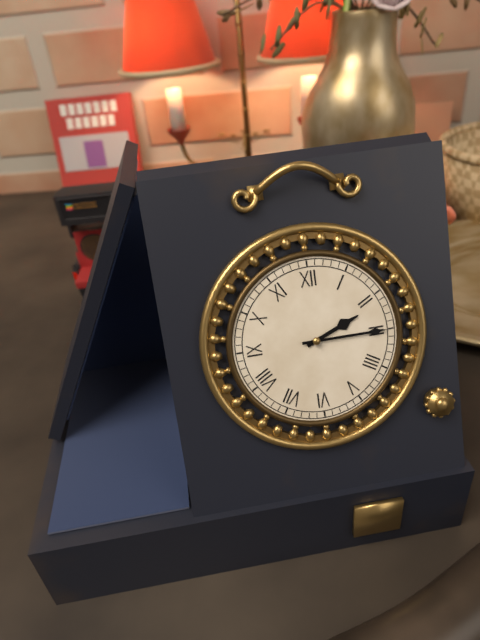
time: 2:15
